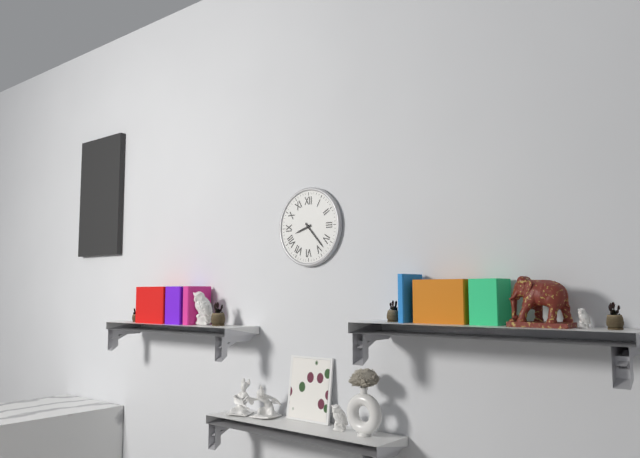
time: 8:23
